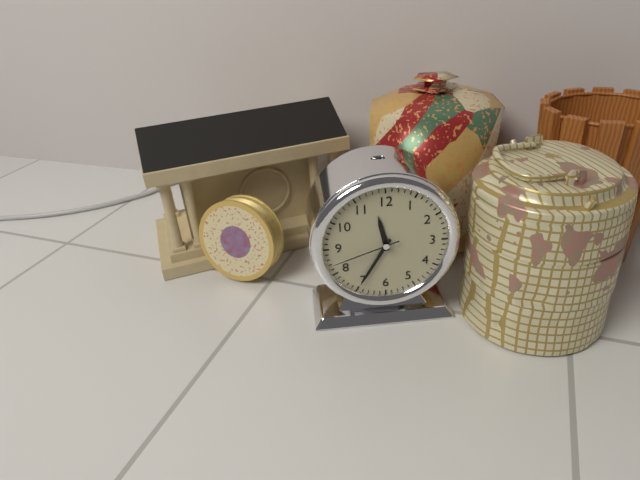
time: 11:35:42
